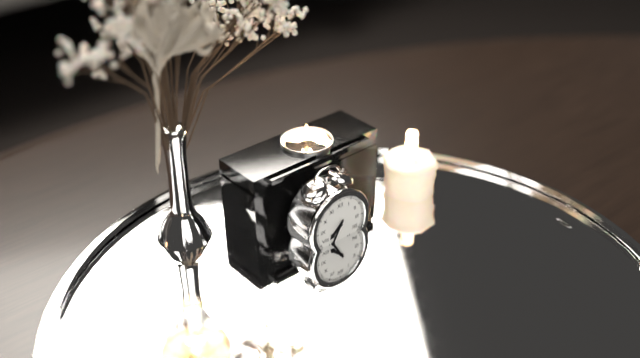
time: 7:35
